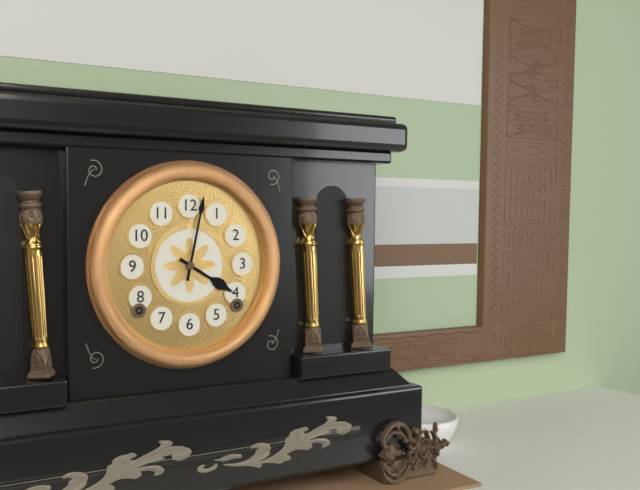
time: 4:02
